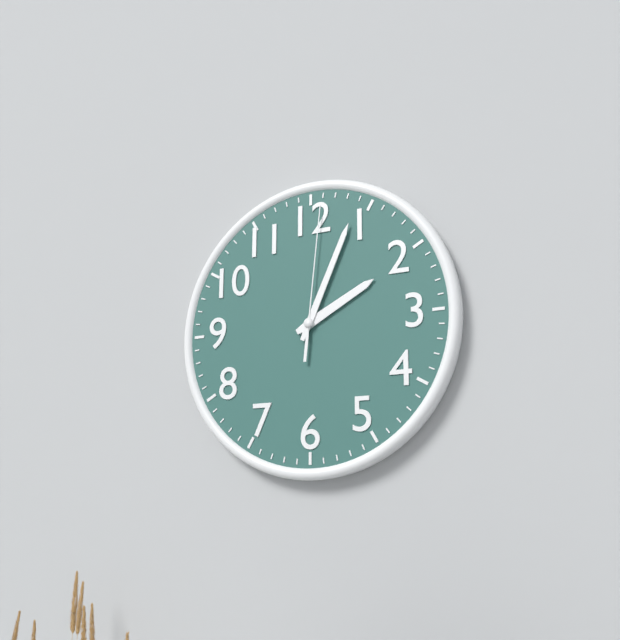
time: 2:04:01
